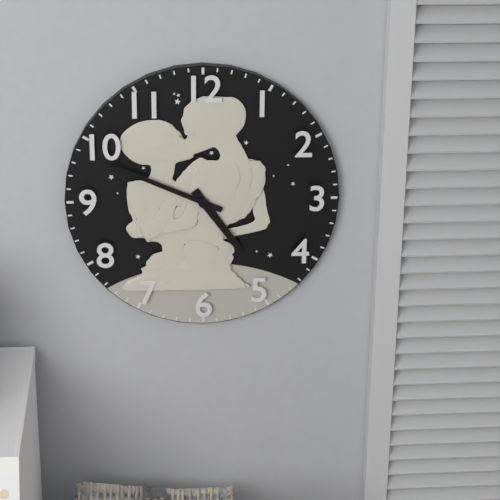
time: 4:49
